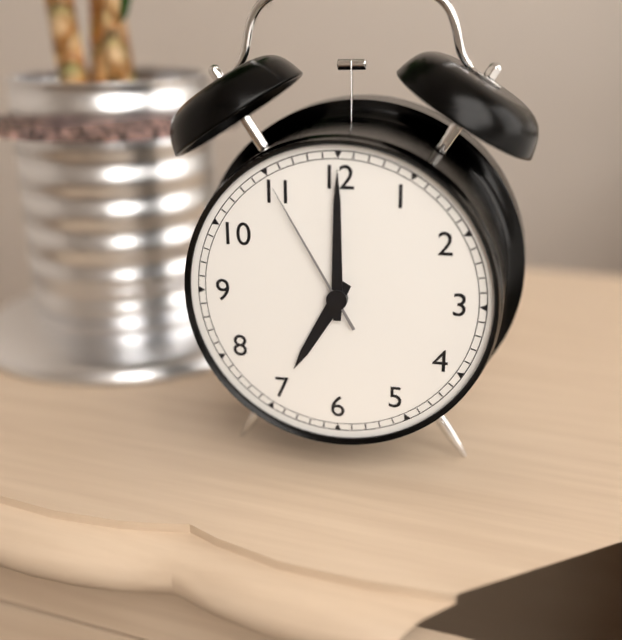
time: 7:00:55
